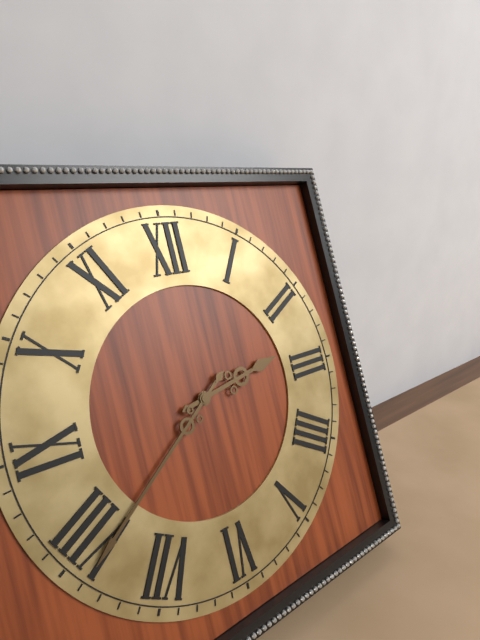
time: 2:39
